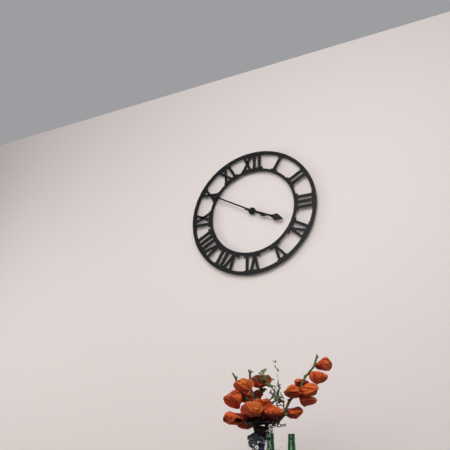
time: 3:50
